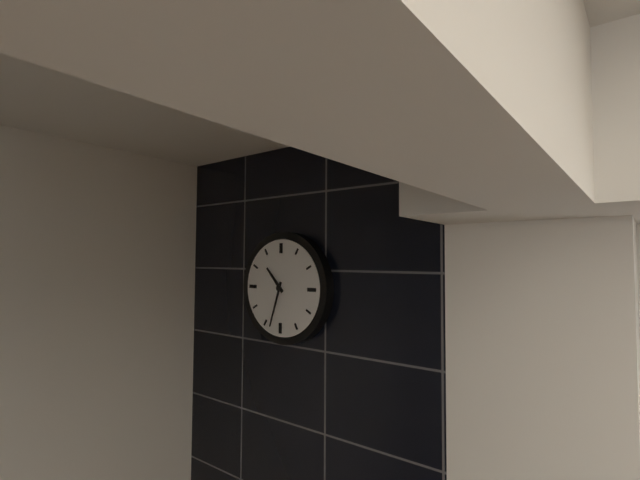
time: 10:33
